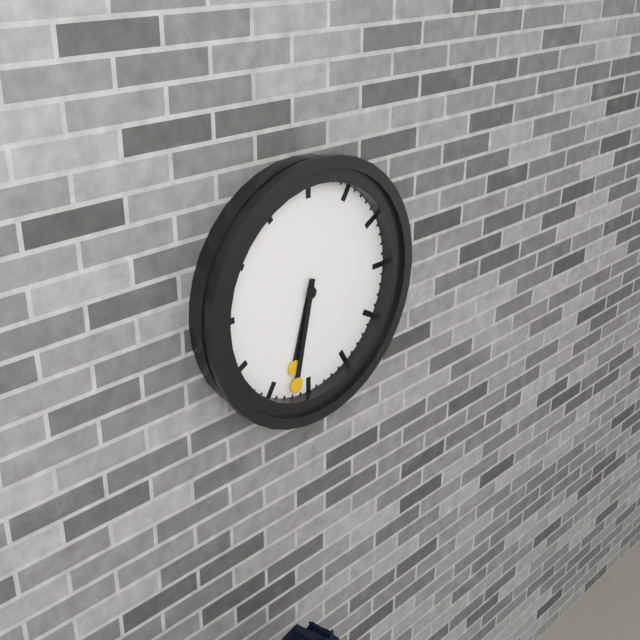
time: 6:32
